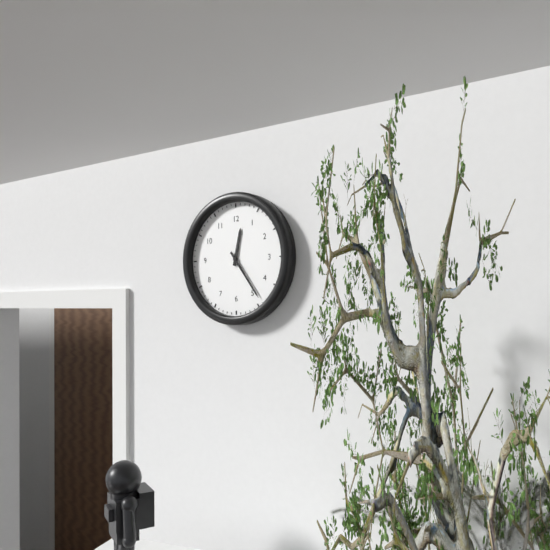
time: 12:24
